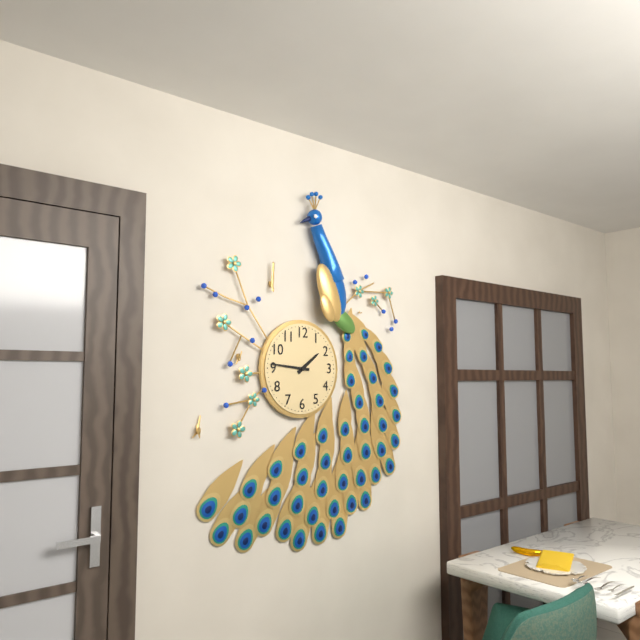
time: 1:46
